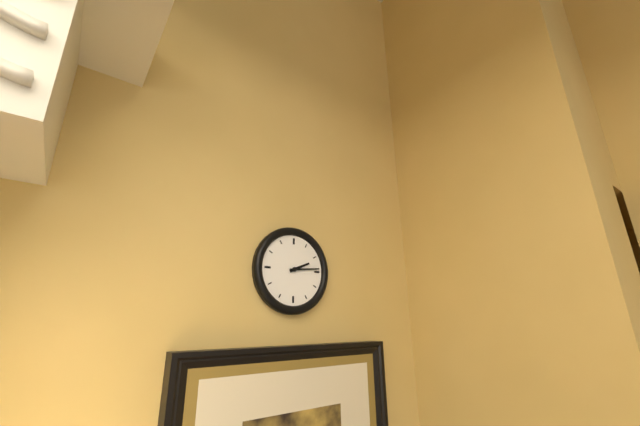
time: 2:14
